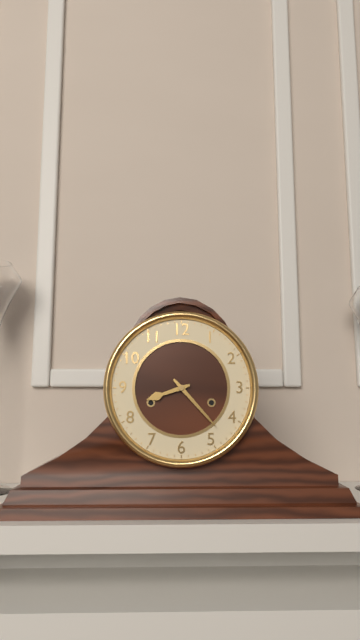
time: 8:23
